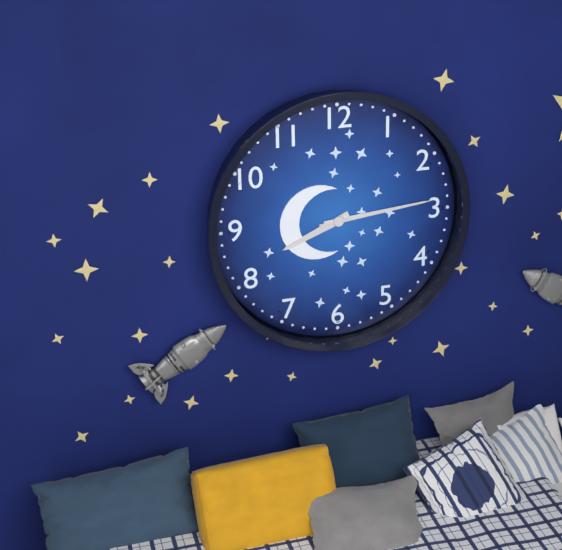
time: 8:14:14
